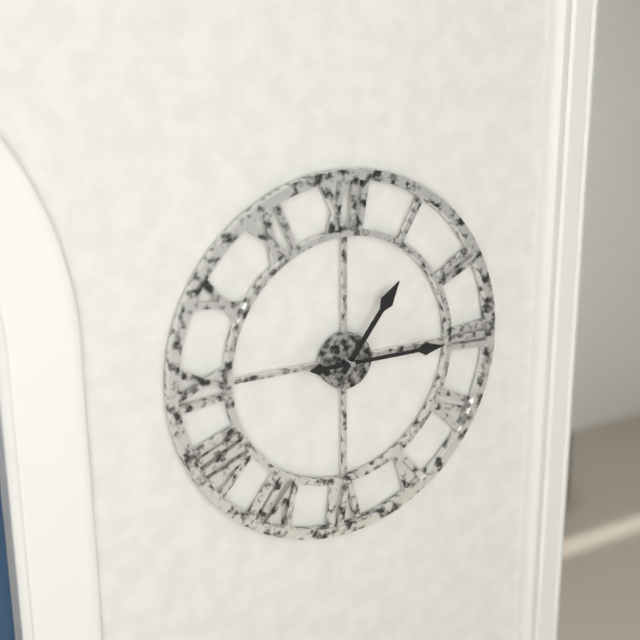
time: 1:15
